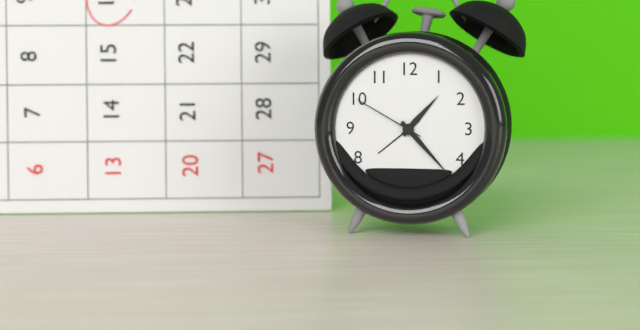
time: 1:23:50
